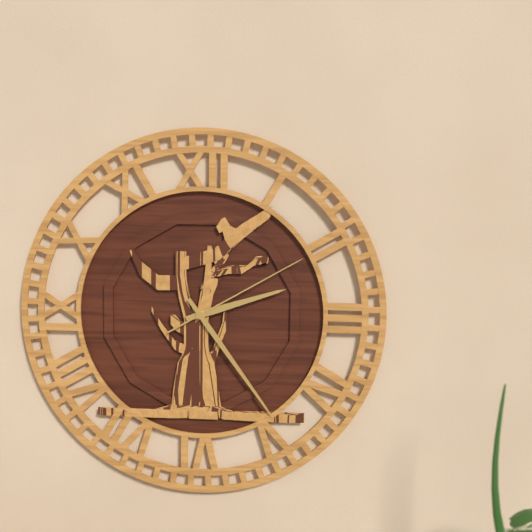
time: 2:24:10
